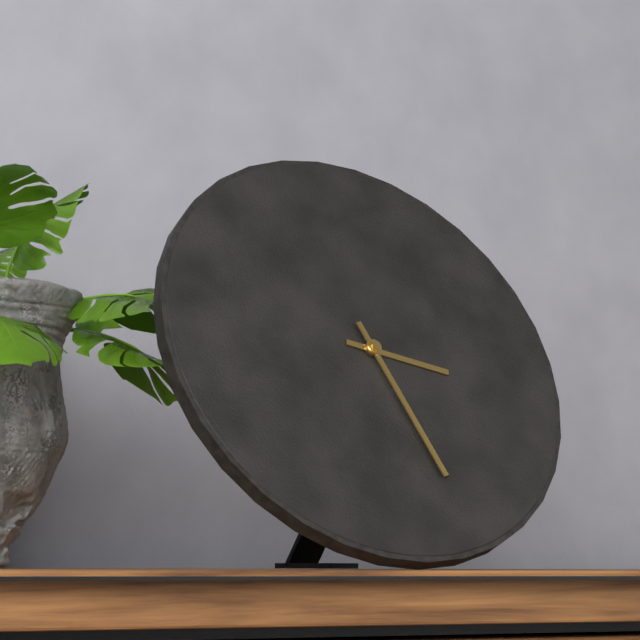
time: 3:27
